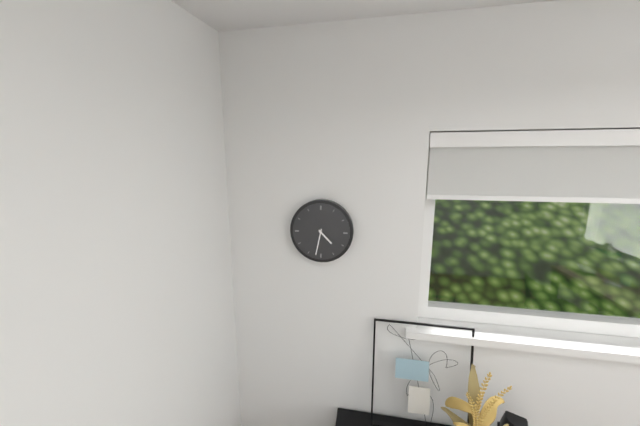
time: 4:32
